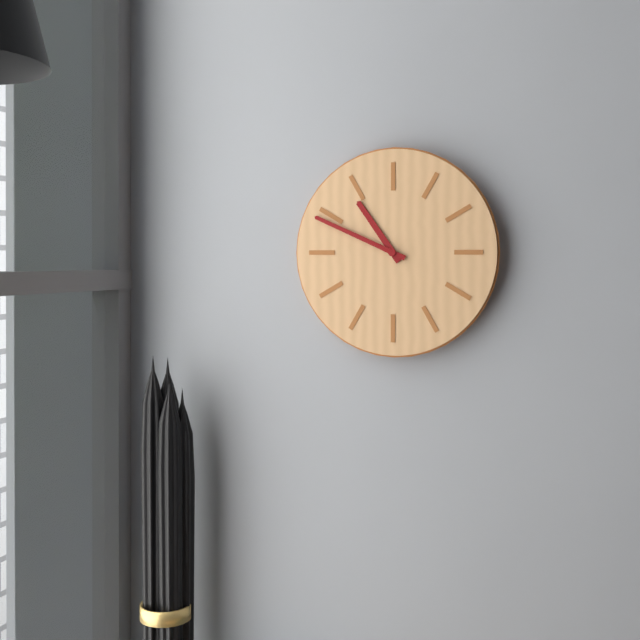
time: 10:49
